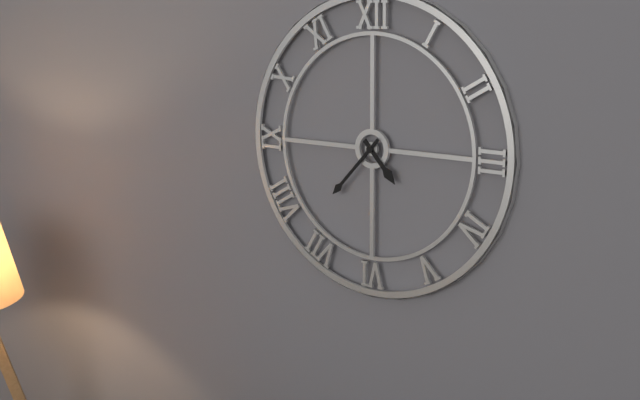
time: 4:37
